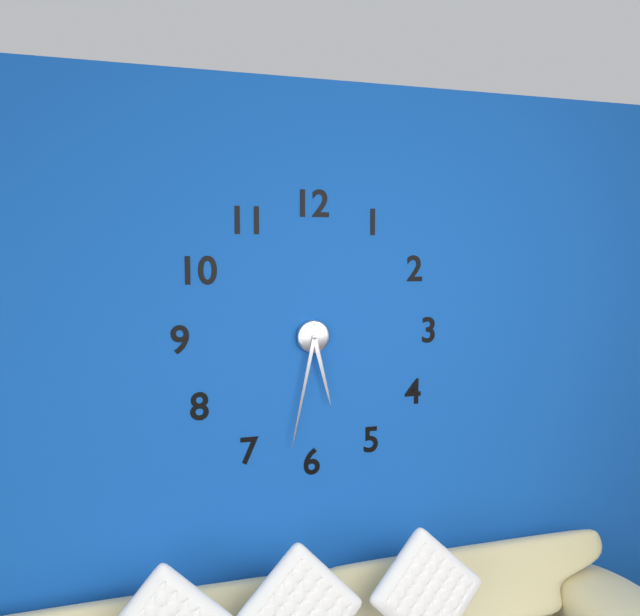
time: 5:32
